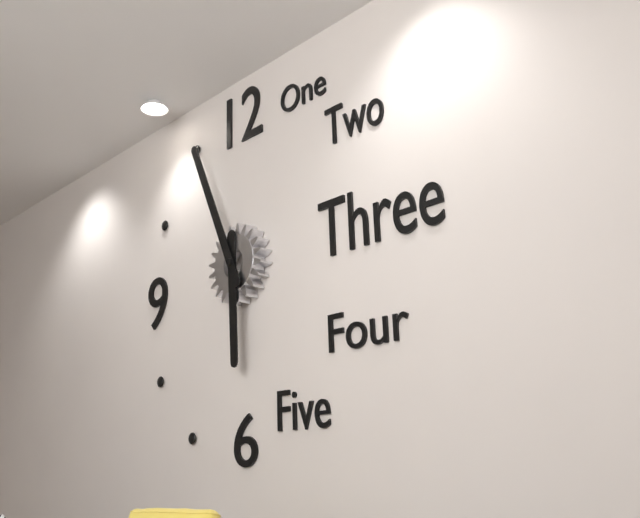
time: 5:56
